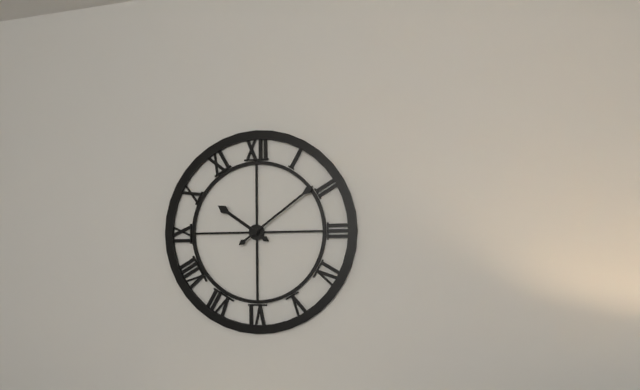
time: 10:09
